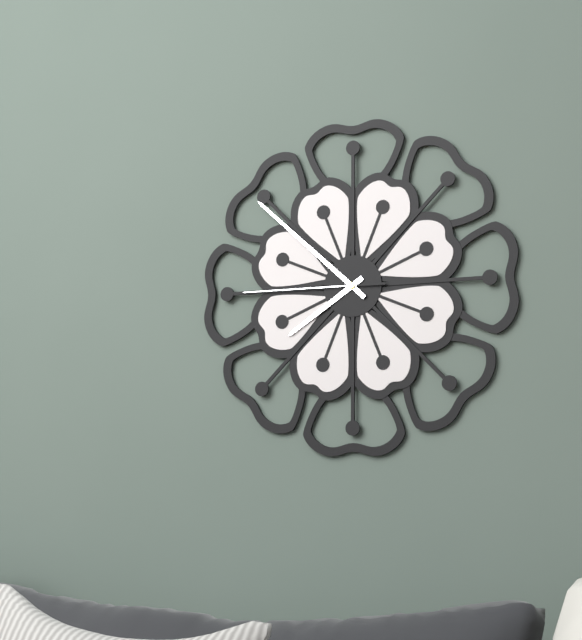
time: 7:52:45
